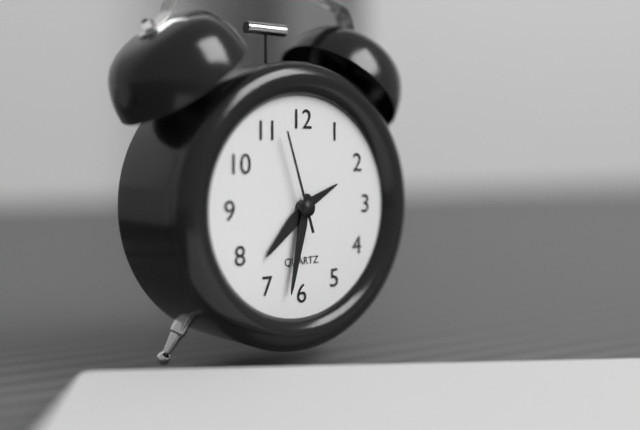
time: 7:32:57
